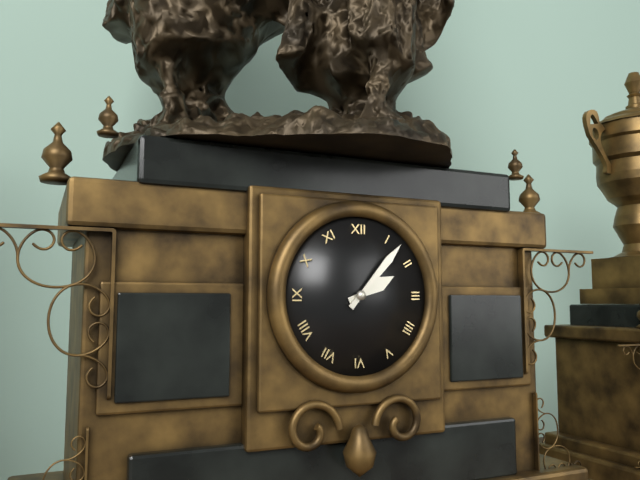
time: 2:07
